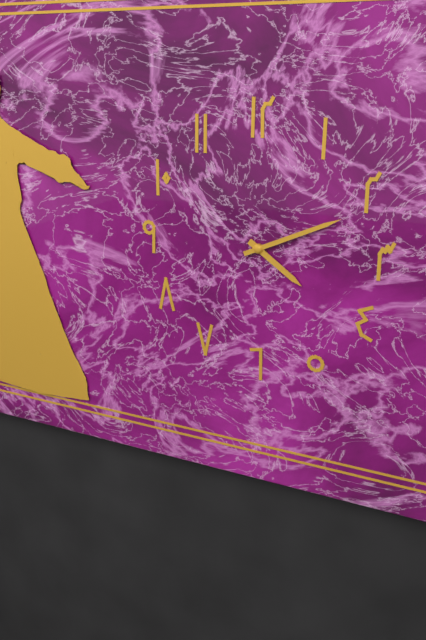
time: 4:11
